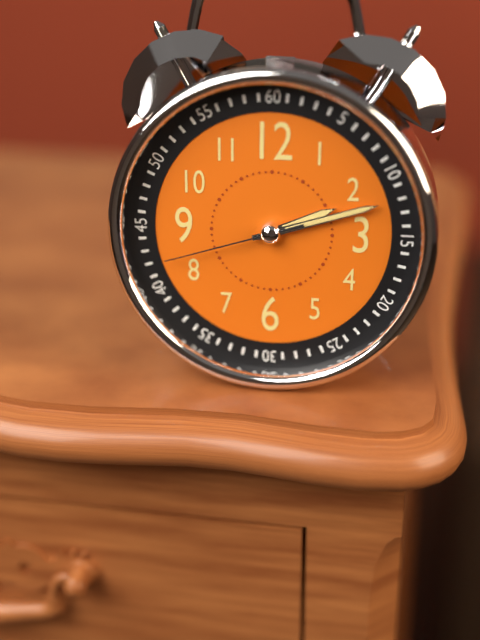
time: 2:12:42
